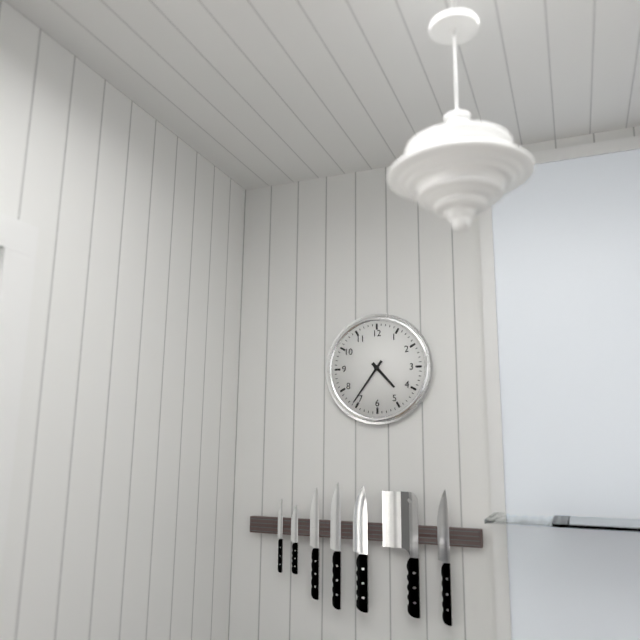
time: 4:36
